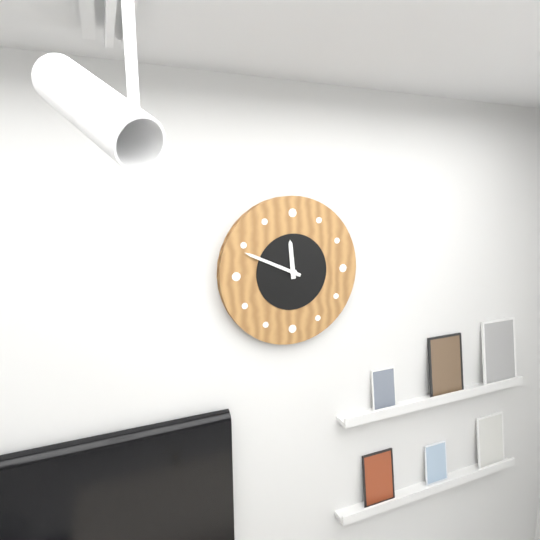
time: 11:49
